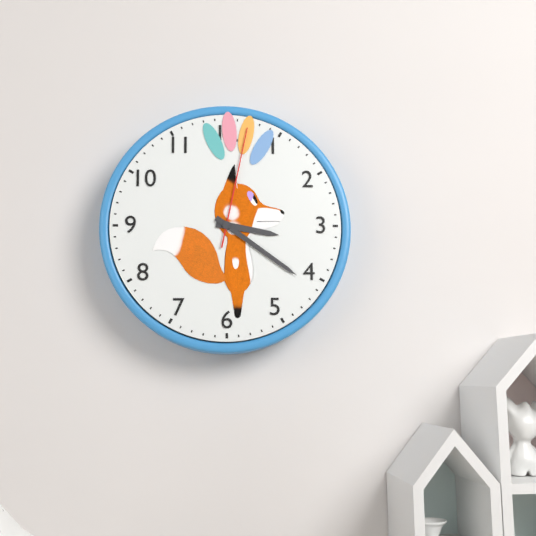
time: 3:21:02
